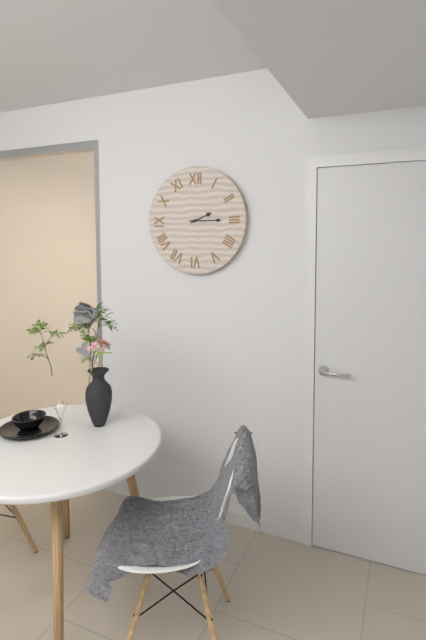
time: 2:15
